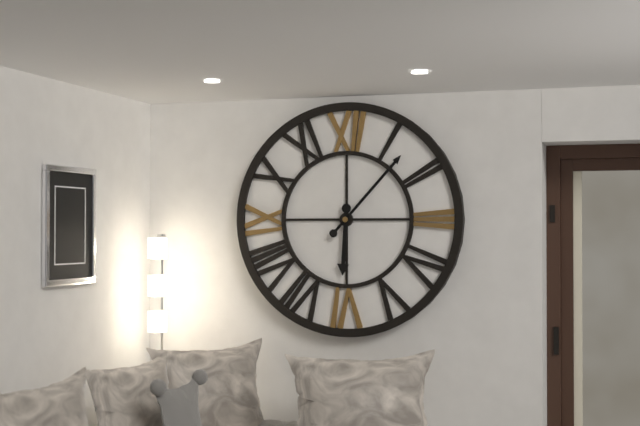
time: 6:07
